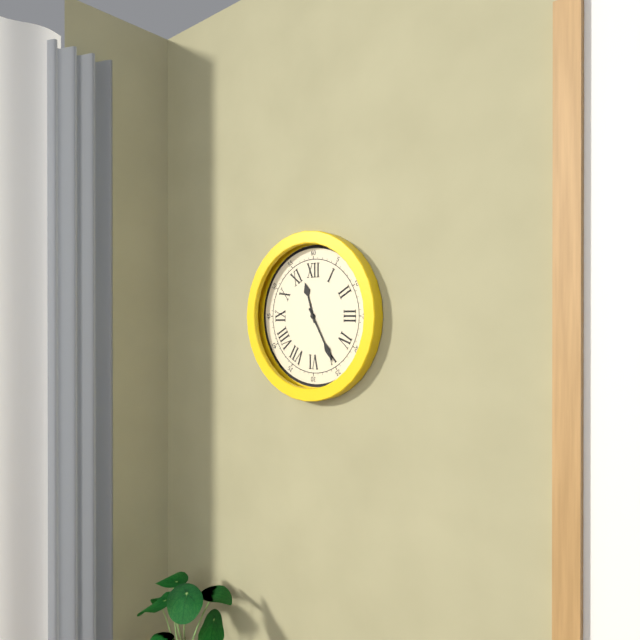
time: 11:25
